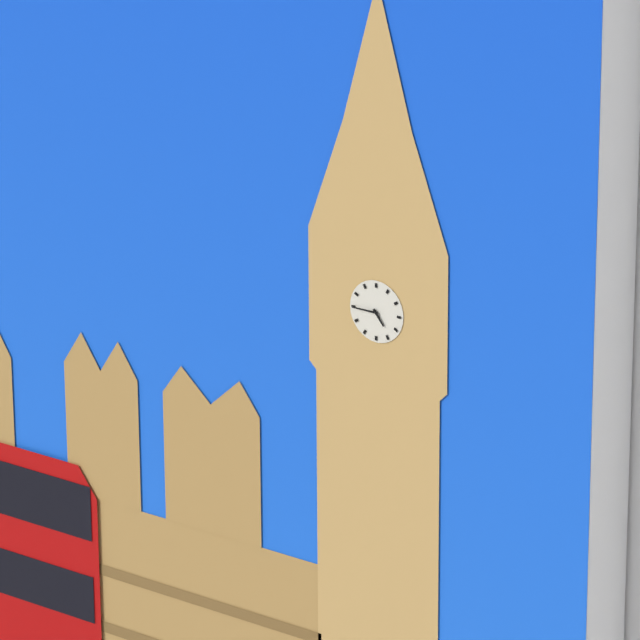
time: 4:45
